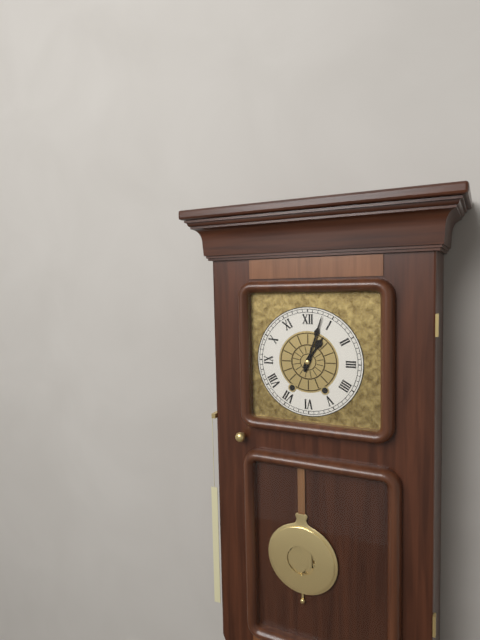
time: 1:03
